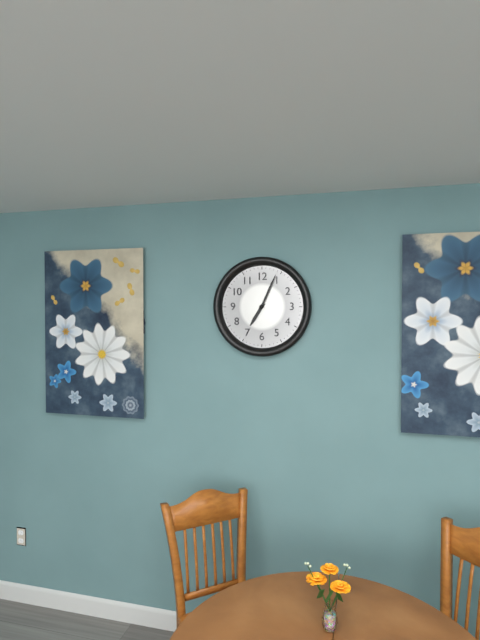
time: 7:04
